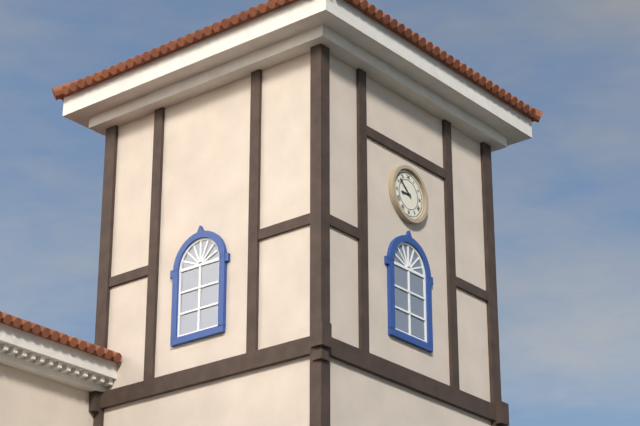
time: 8:52
